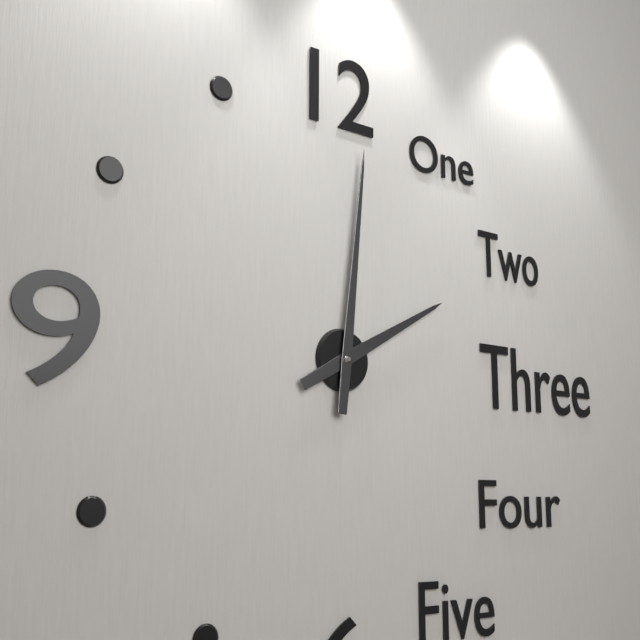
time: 2:01
